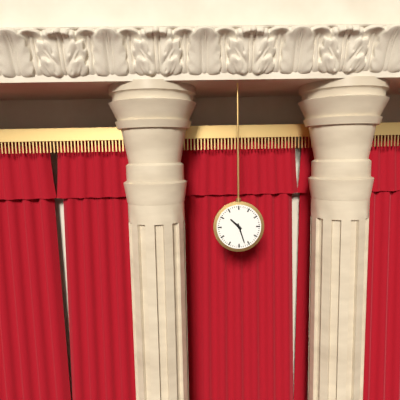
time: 10:27
